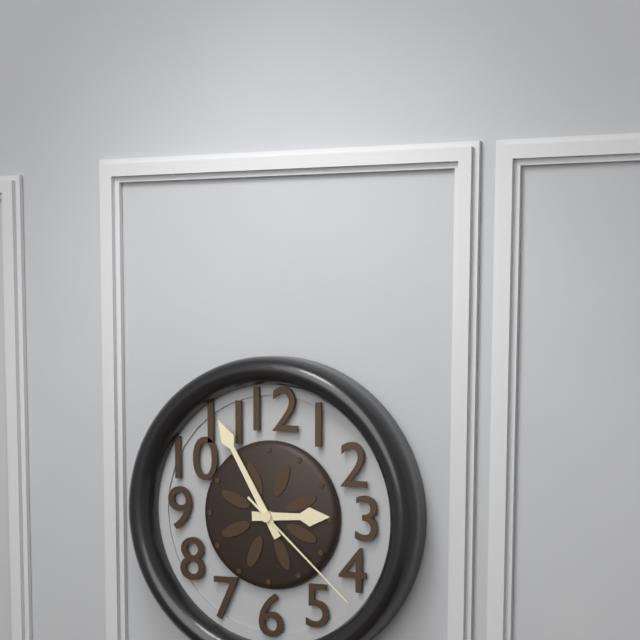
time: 2:55:22
